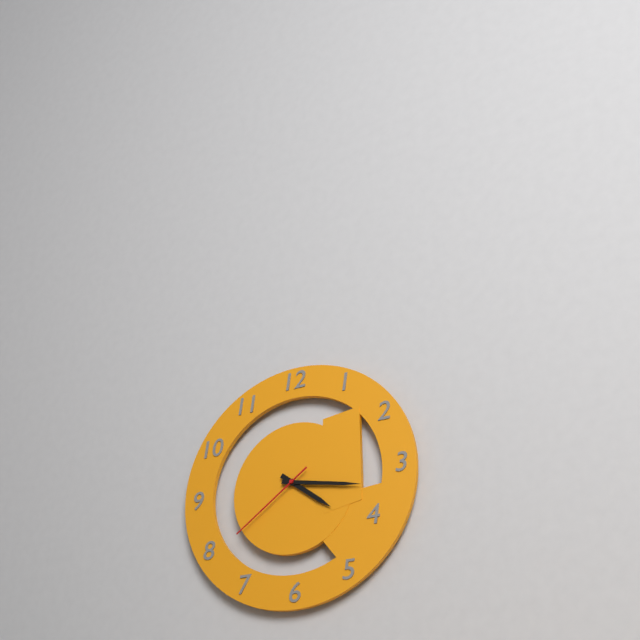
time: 4:17:39
